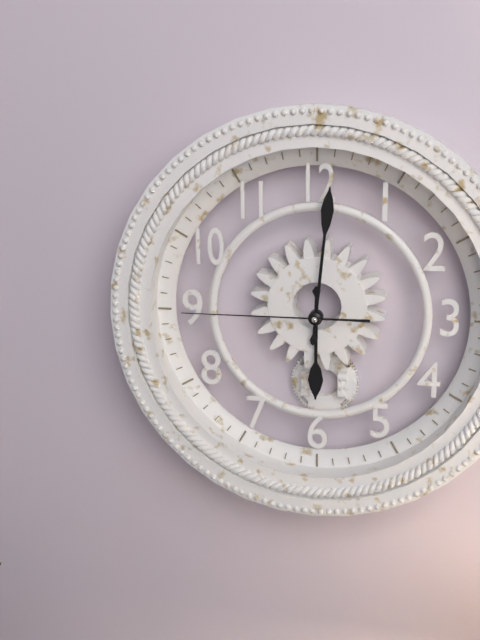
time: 6:01:45
